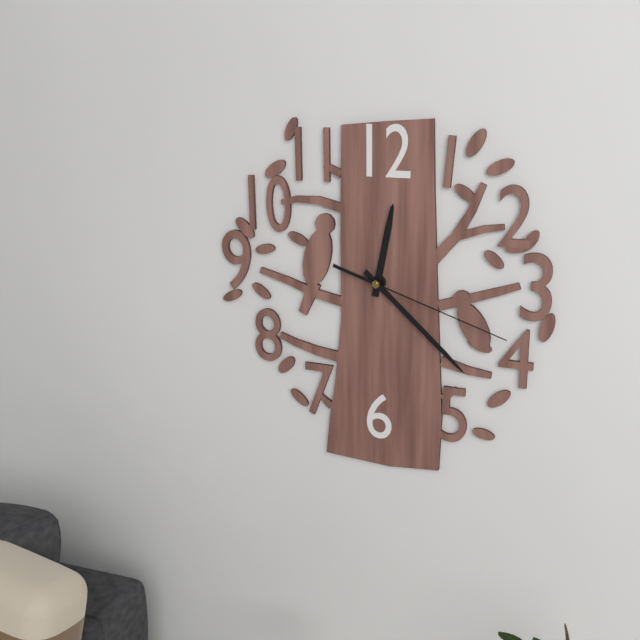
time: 12:22:18
